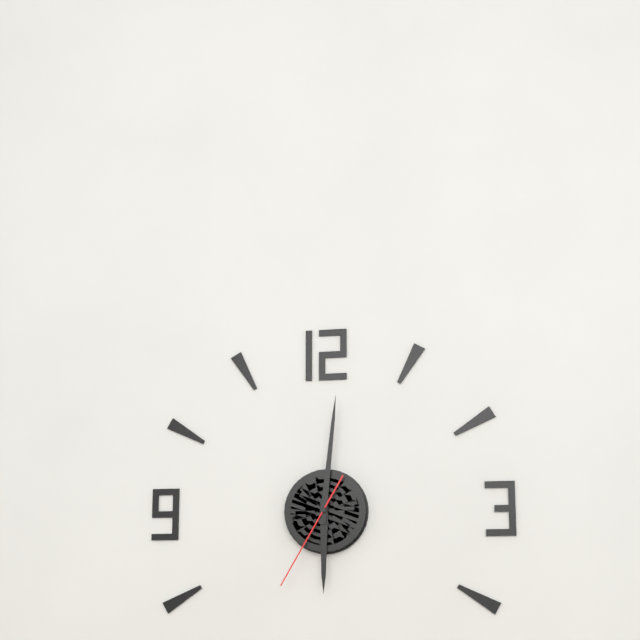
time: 6:01:35
